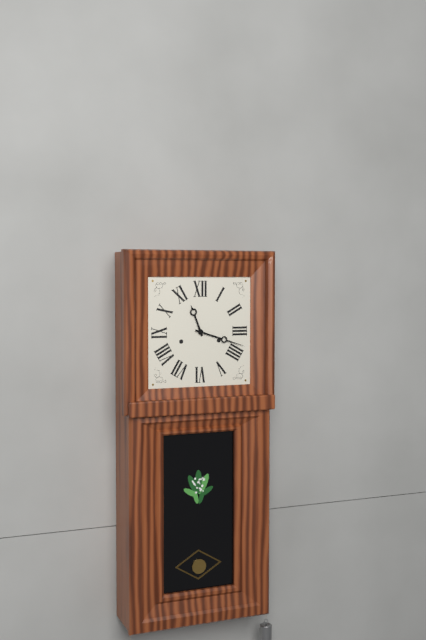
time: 11:18
